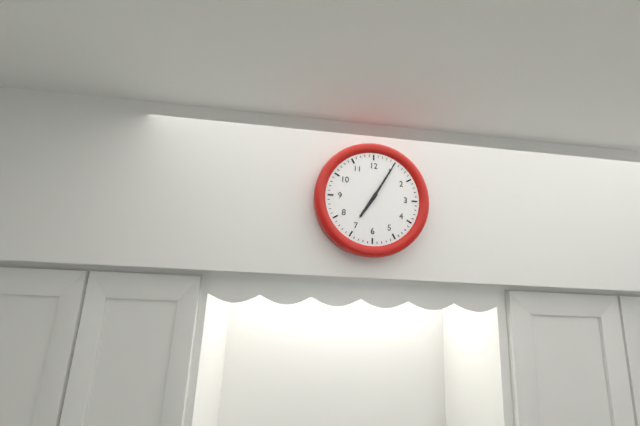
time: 7:05
